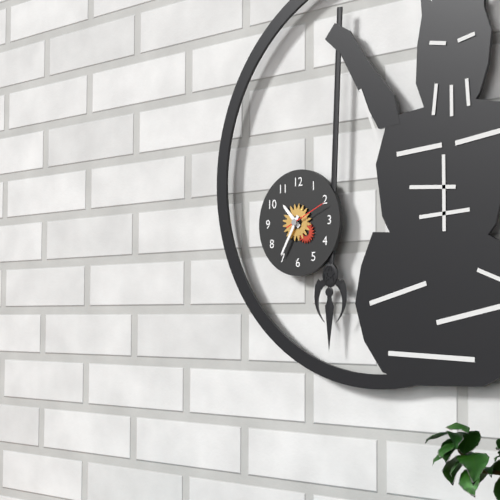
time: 10:35
